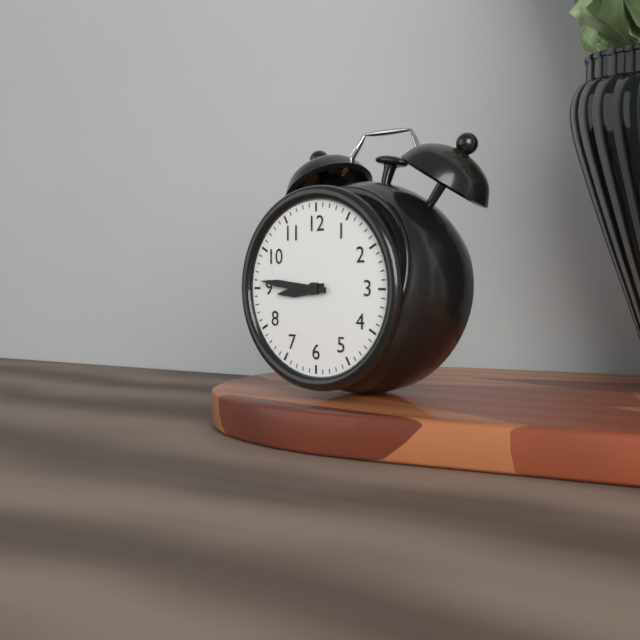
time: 8:46
